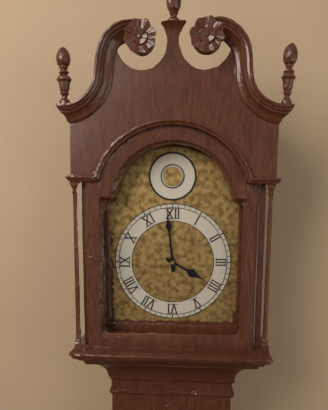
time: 3:59
